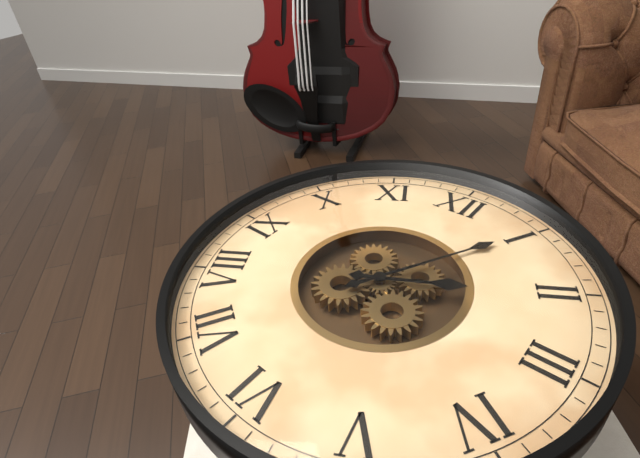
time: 2:05
